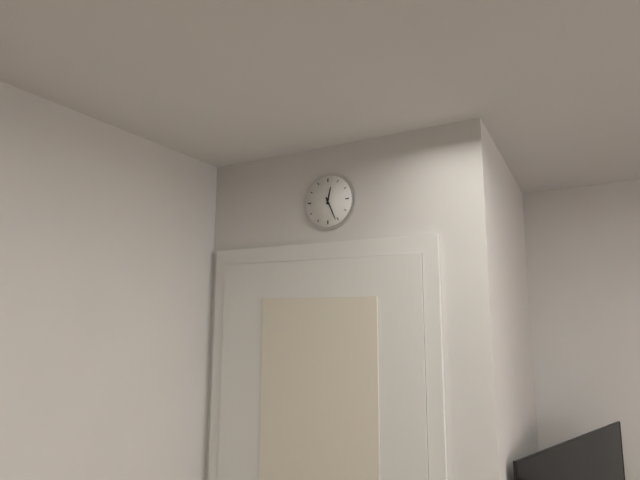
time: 12:26
